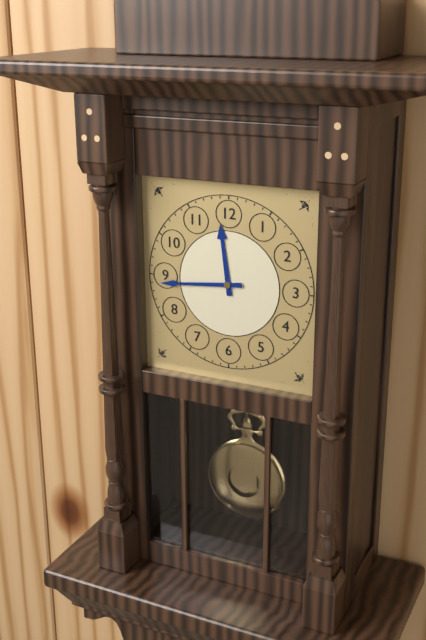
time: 11:44
